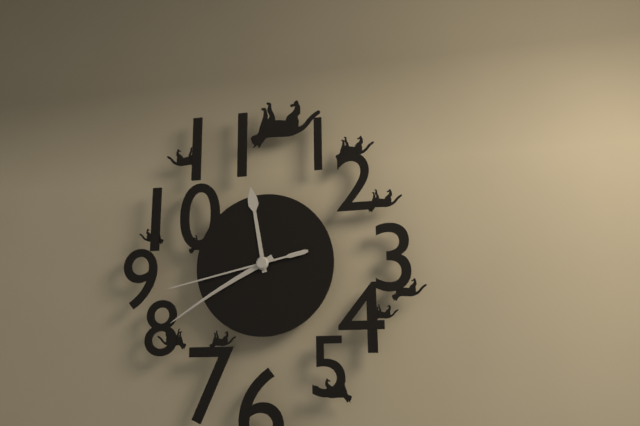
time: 11:40:43
